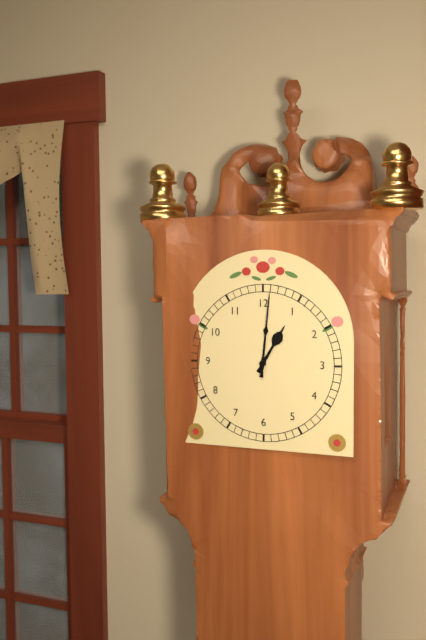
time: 1:01
